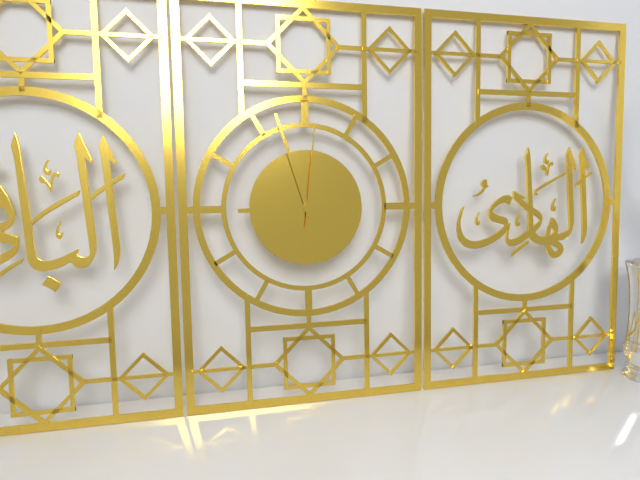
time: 8:57:01
